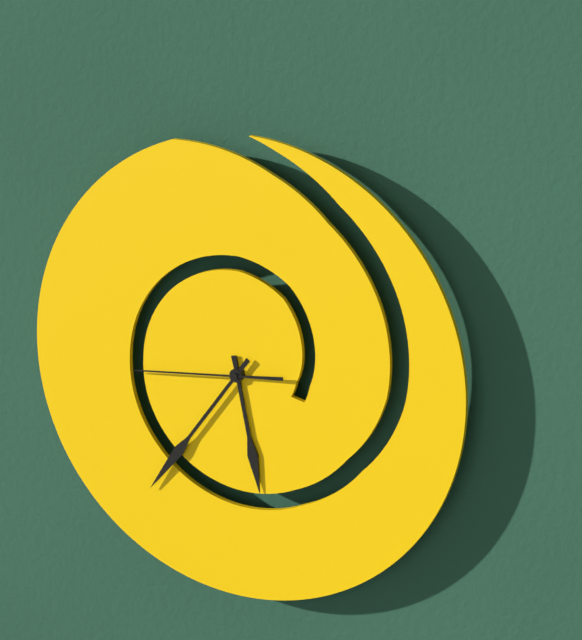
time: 5:36:44
